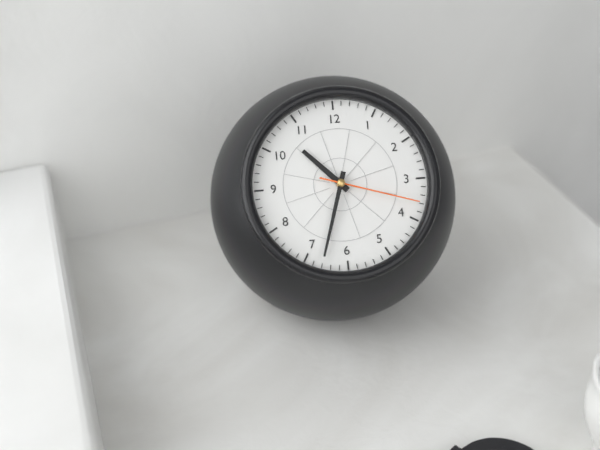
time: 10:33:18
